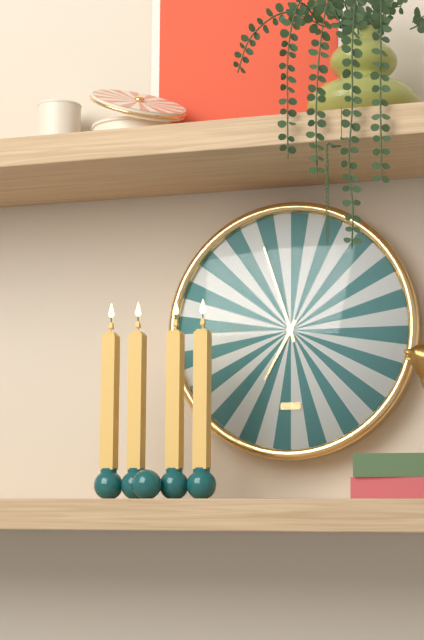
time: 6:57
